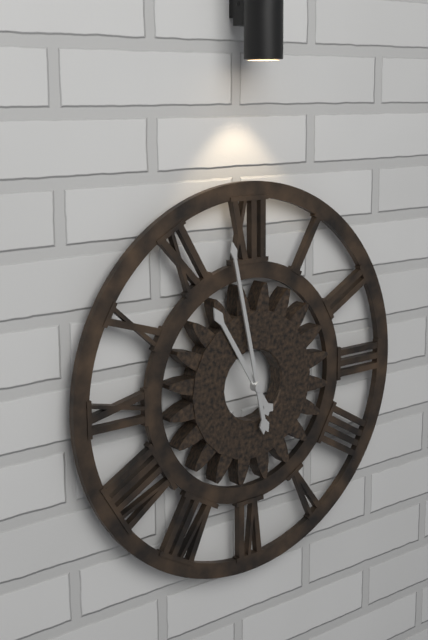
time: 10:58
